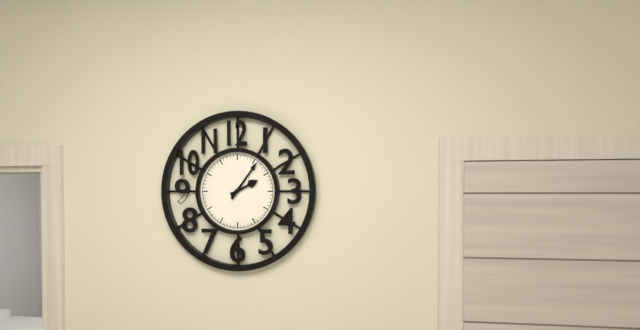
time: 2:06
